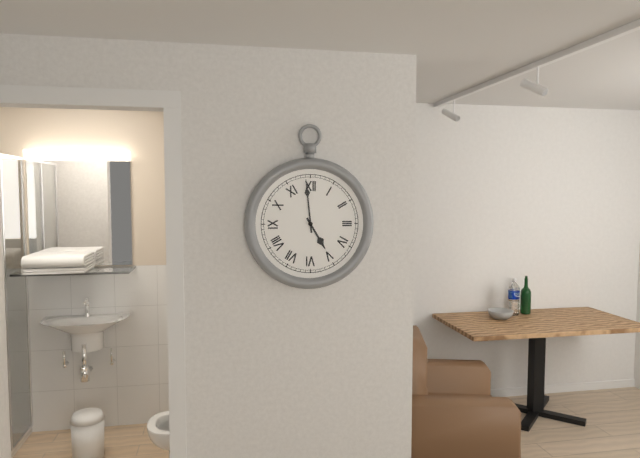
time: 4:59
